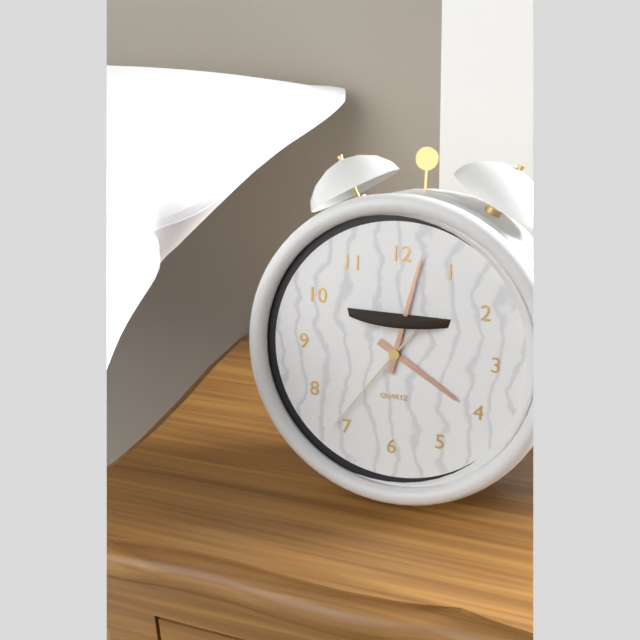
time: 4:02:36
